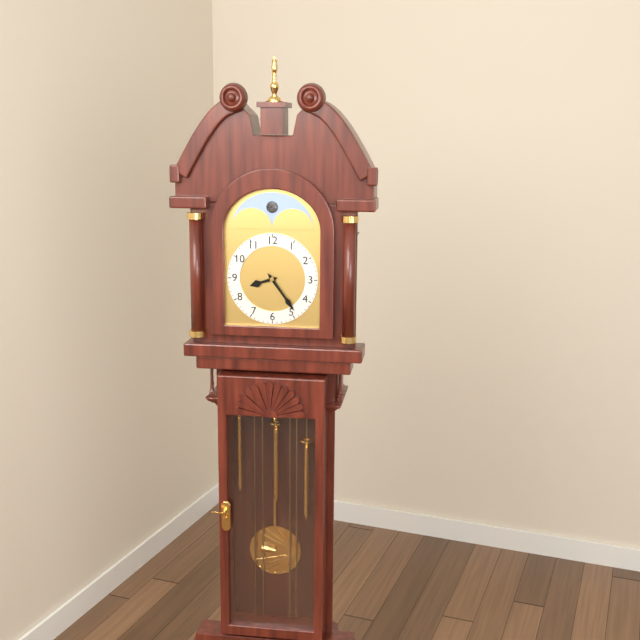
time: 8:24
